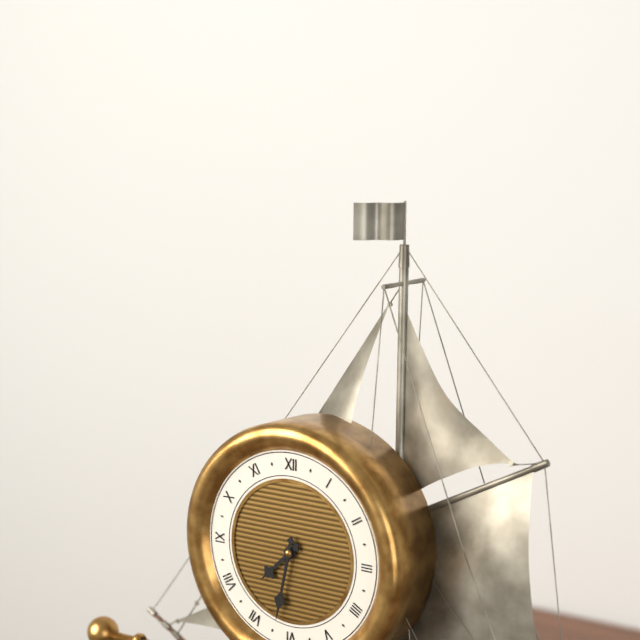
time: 7:32
